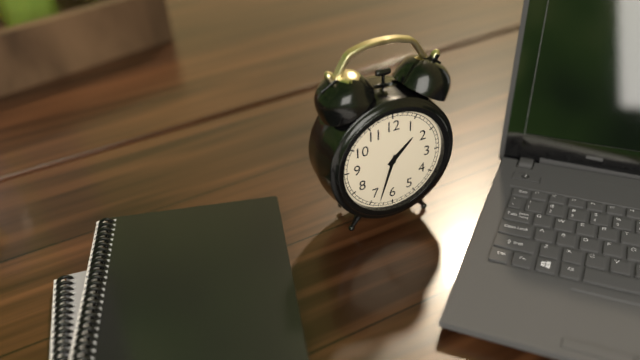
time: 1:33
